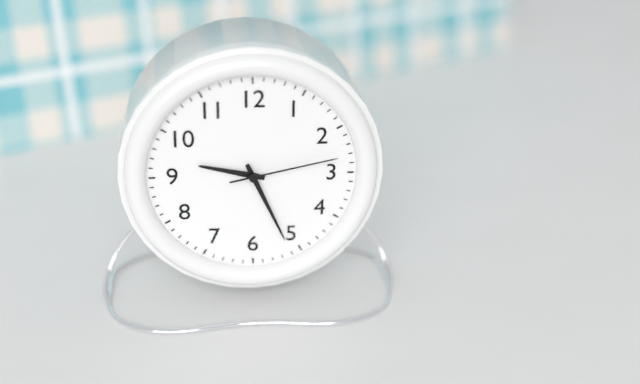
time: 9:26:13
